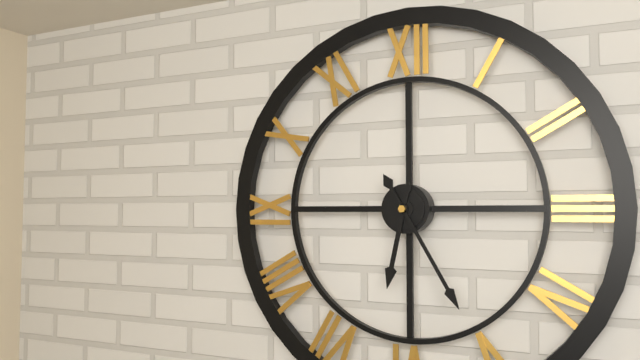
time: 6:25
